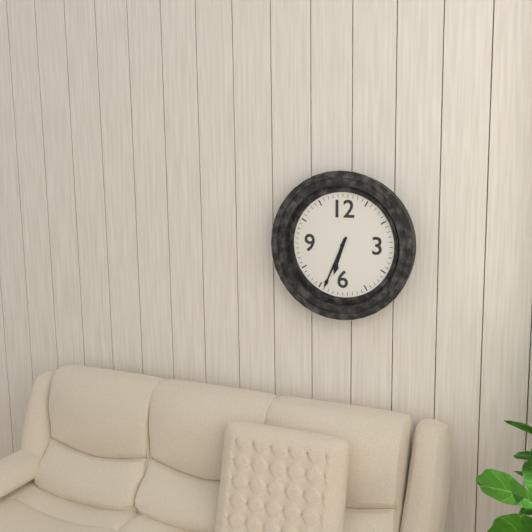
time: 6:34
